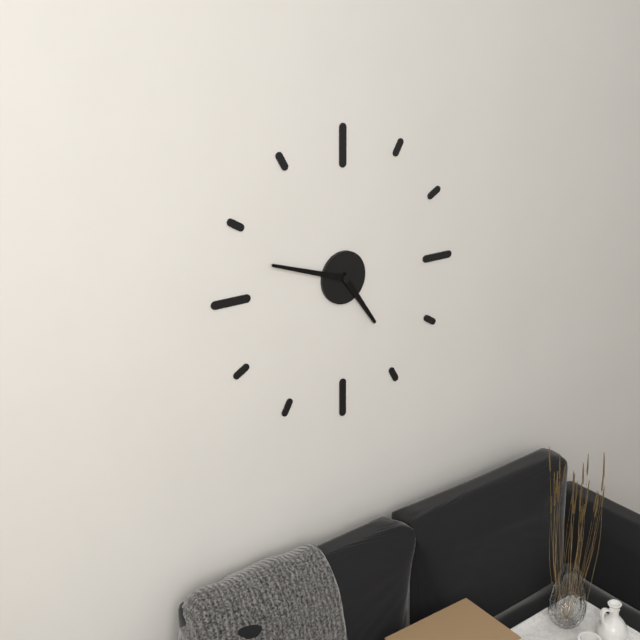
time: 4:48
